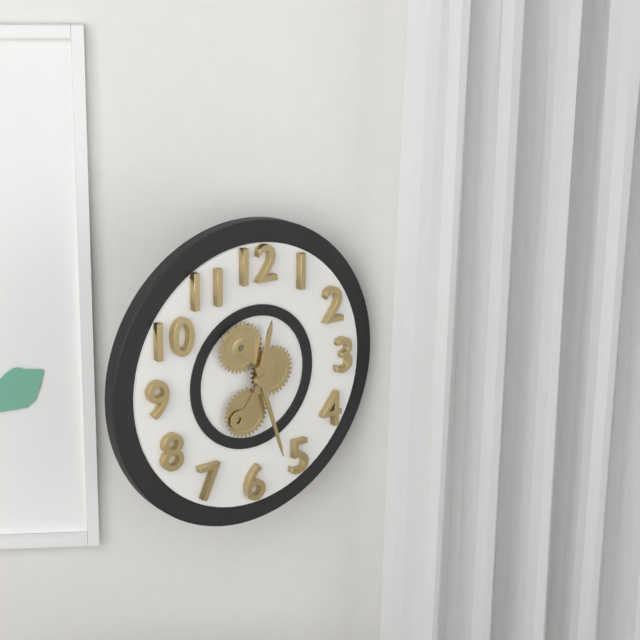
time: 12:27
